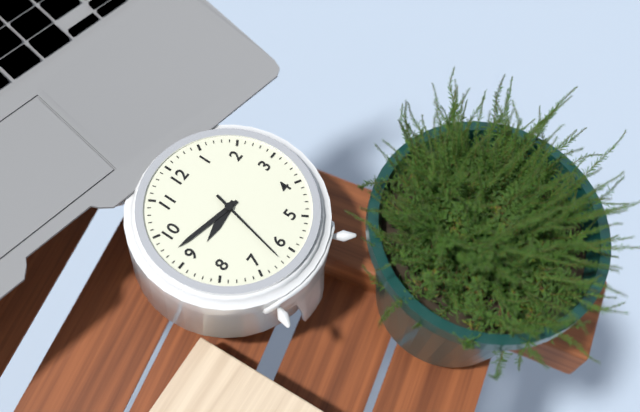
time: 8:47:32
